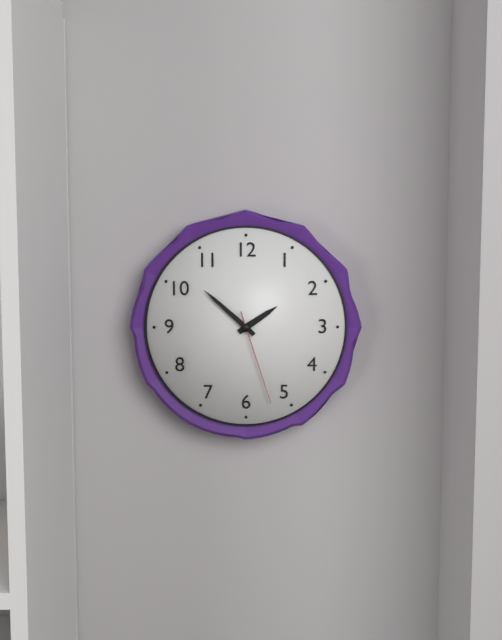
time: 1:52:27
